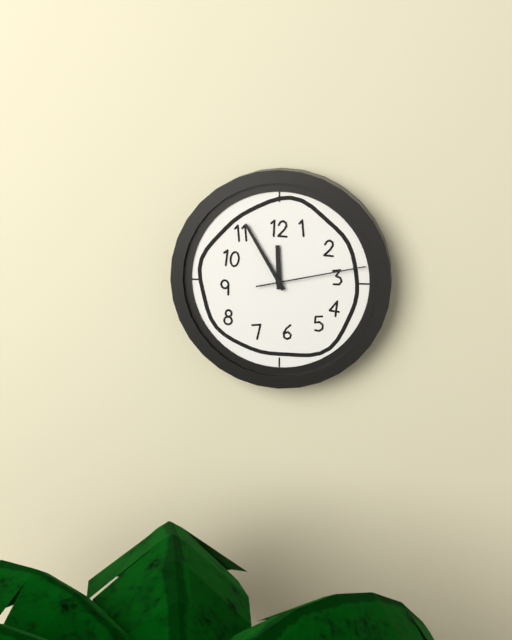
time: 11:55:13
